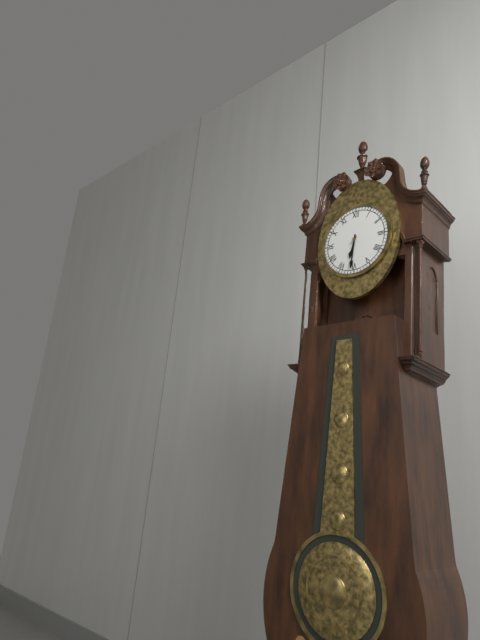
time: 6:31
